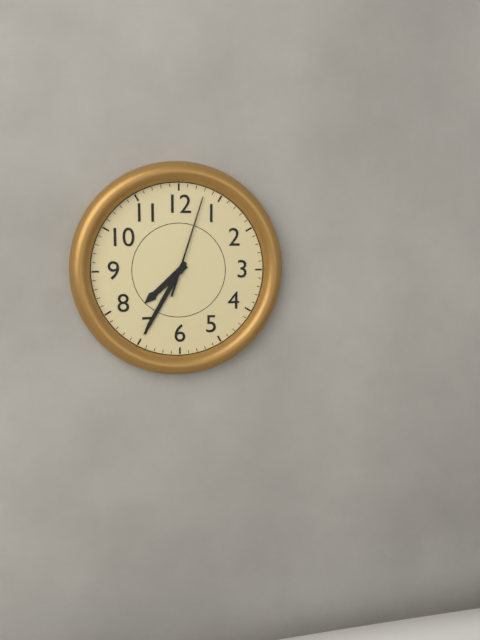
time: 7:35:03
